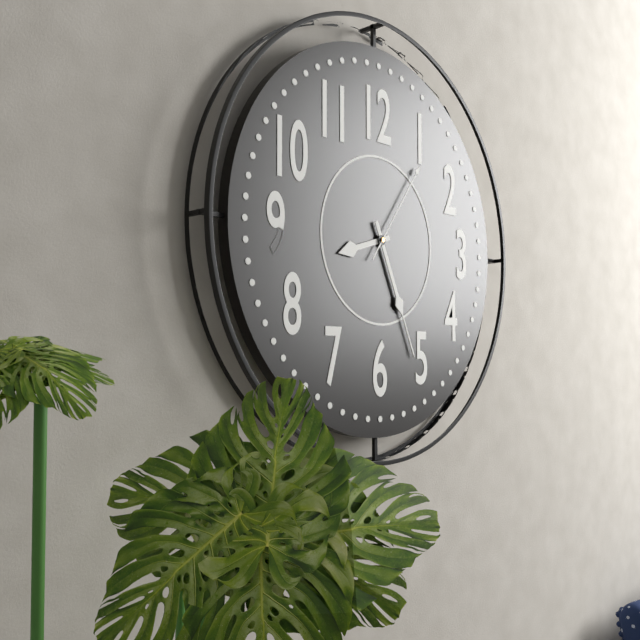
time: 8:26:06
